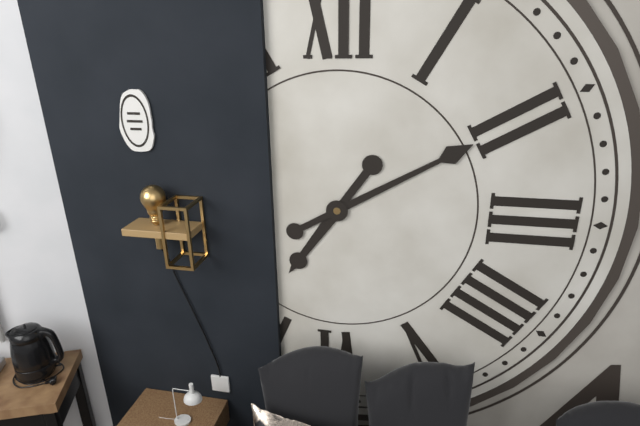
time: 7:10
